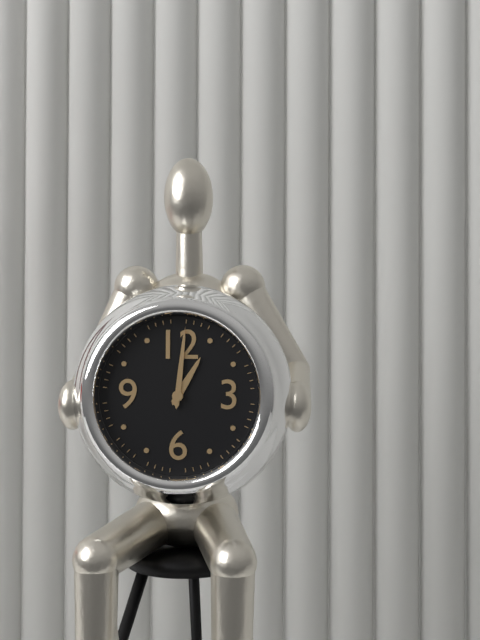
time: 1:01
